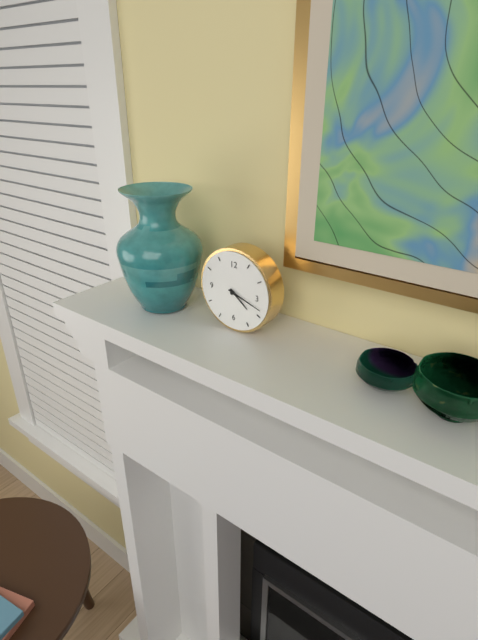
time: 4:18
